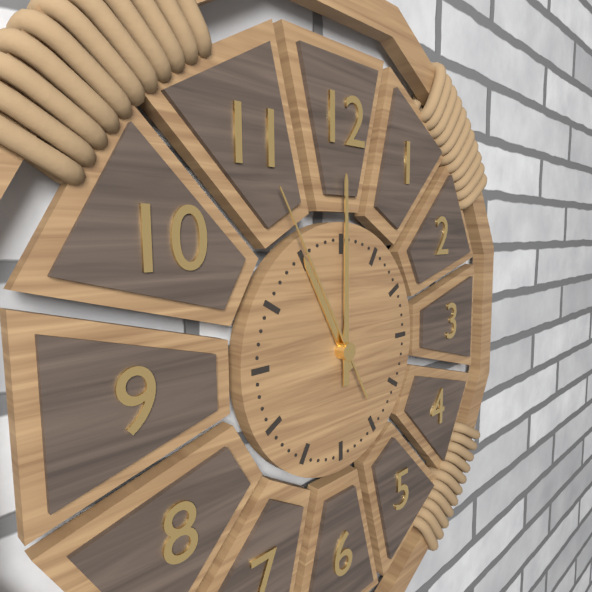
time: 11:00:55
